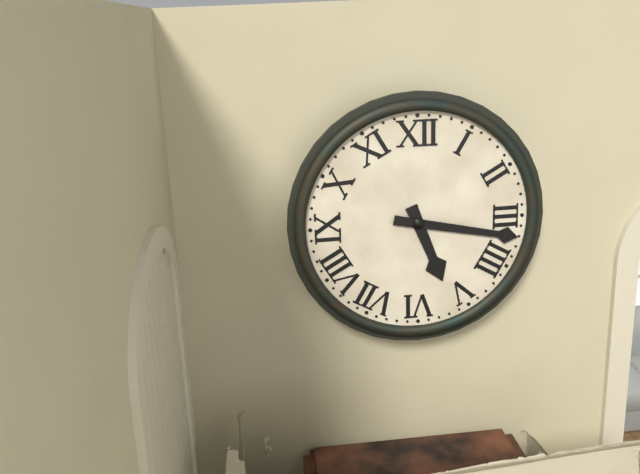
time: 5:17
